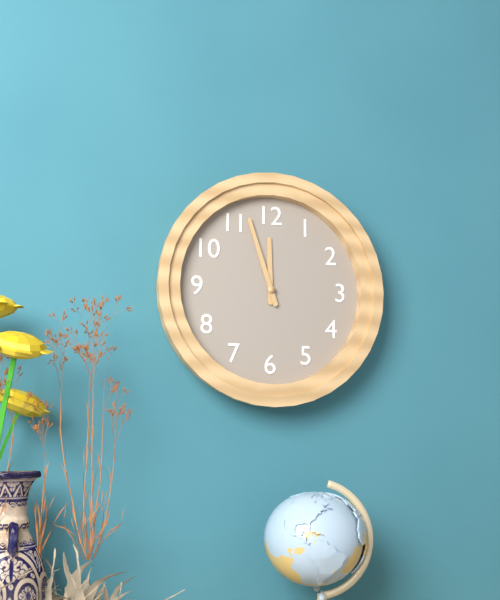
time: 11:57
